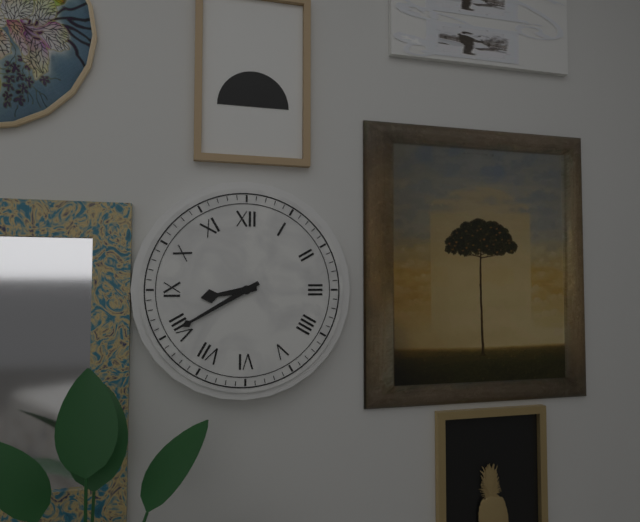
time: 8:40
